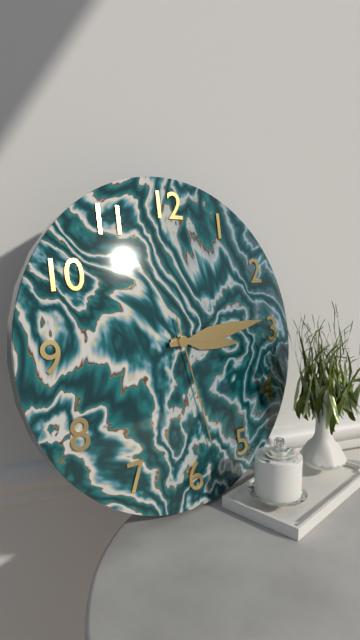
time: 3:14:28
